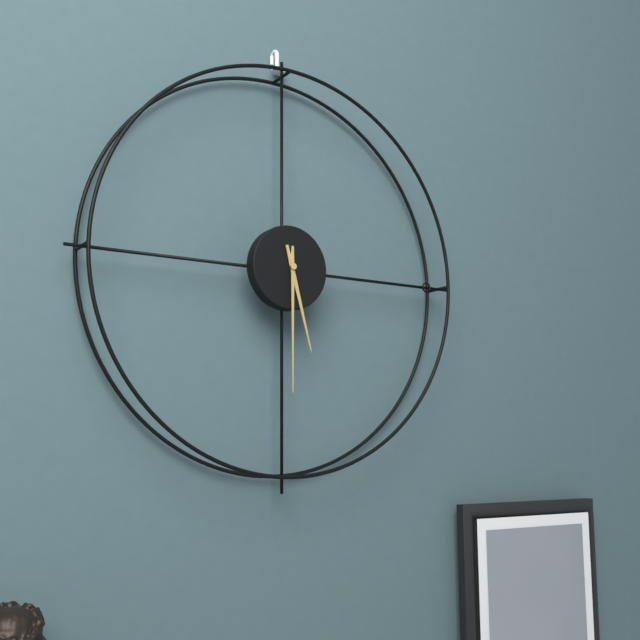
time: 5:30
